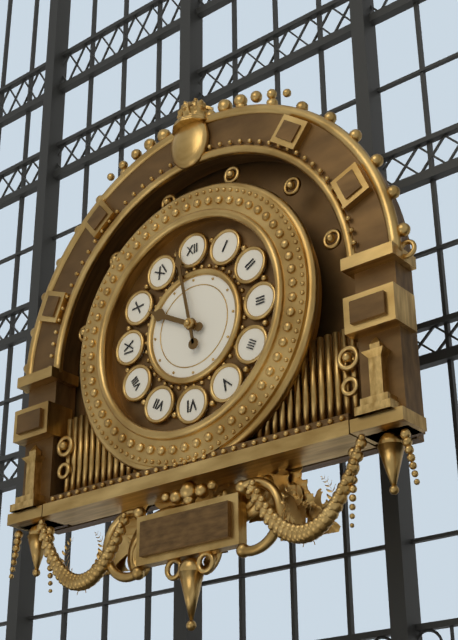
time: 9:58
